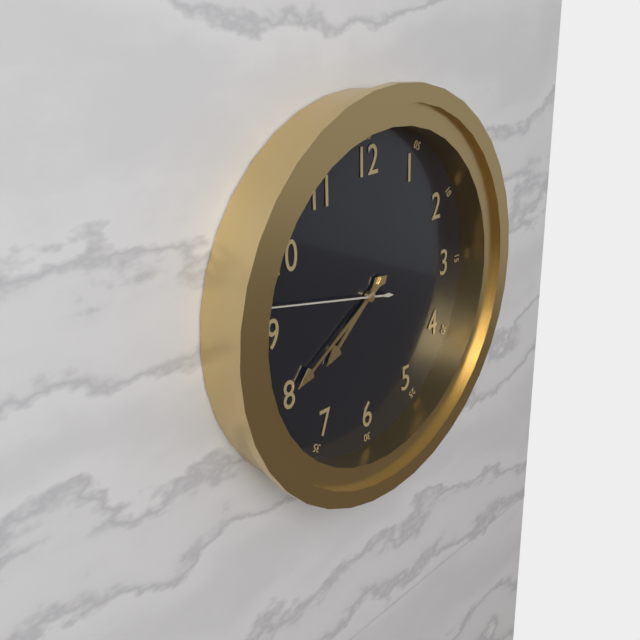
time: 7:40:47
